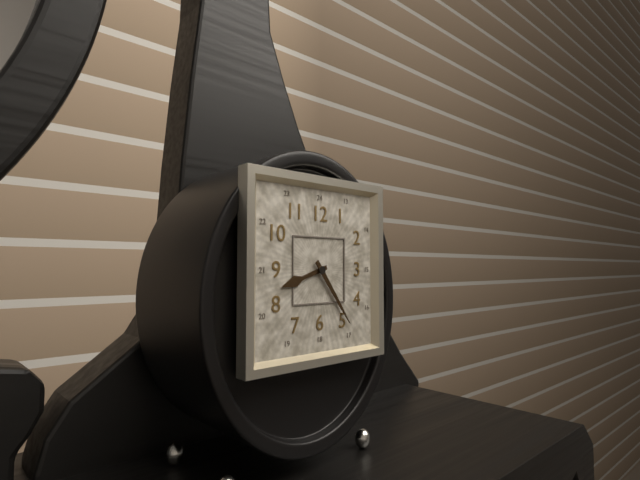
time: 8:24
